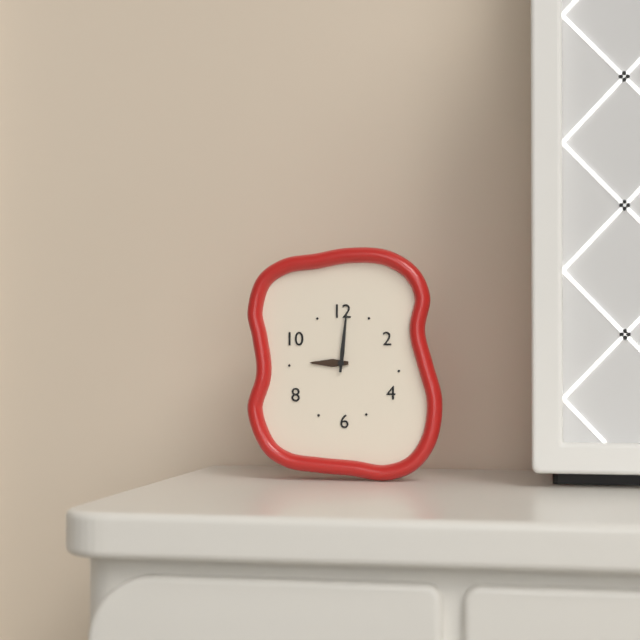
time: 9:01
